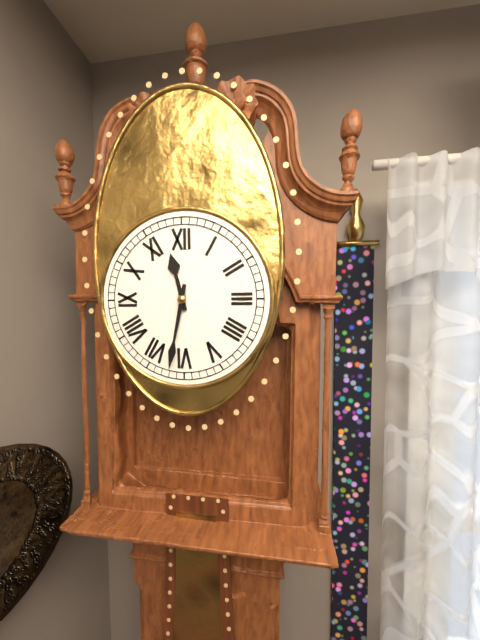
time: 11:32
